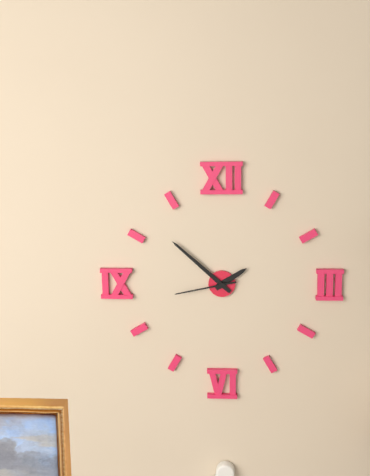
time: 1:52:43
